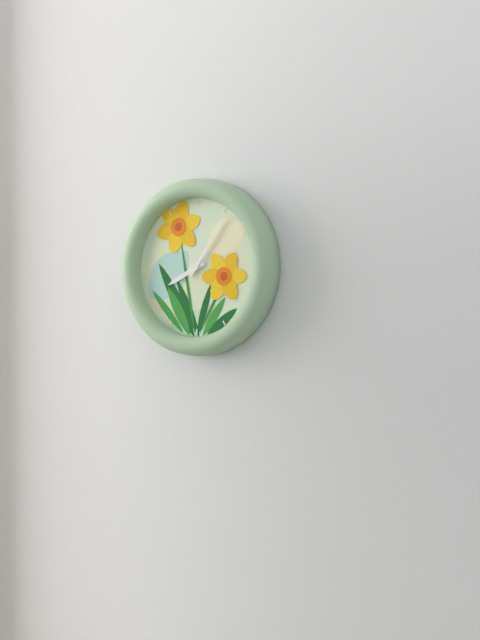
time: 8:06
